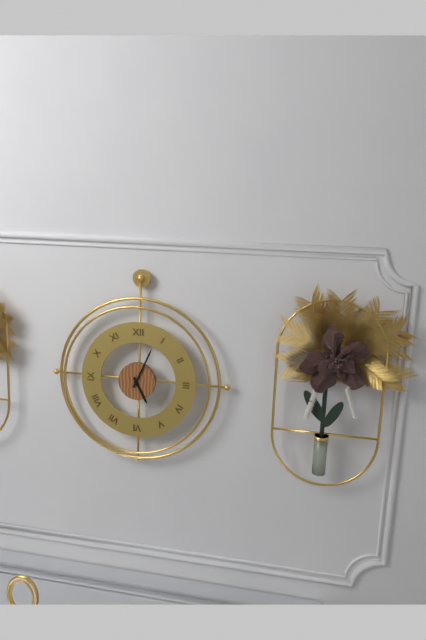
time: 5:04
